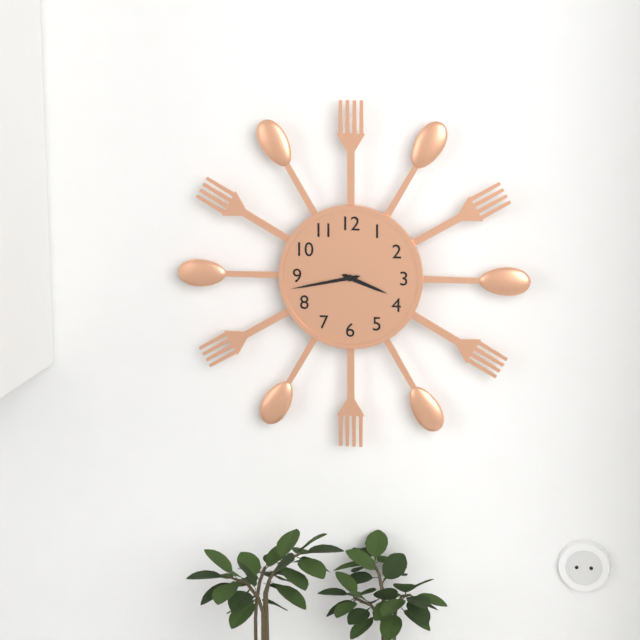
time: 3:43
